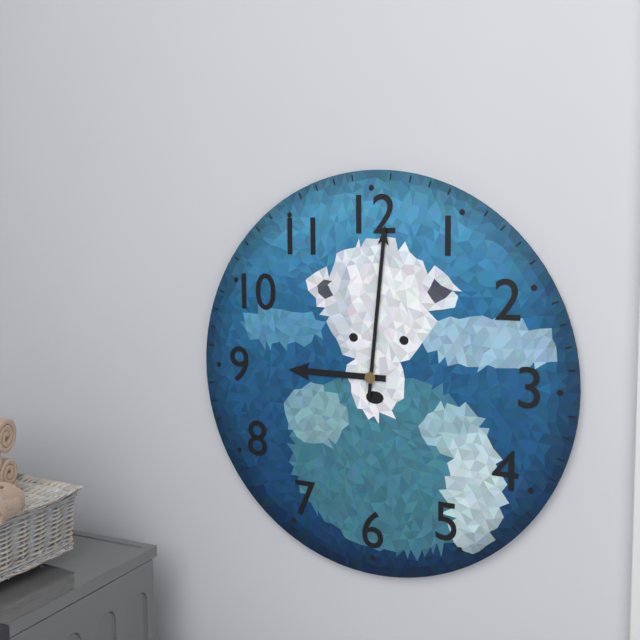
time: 9:01
